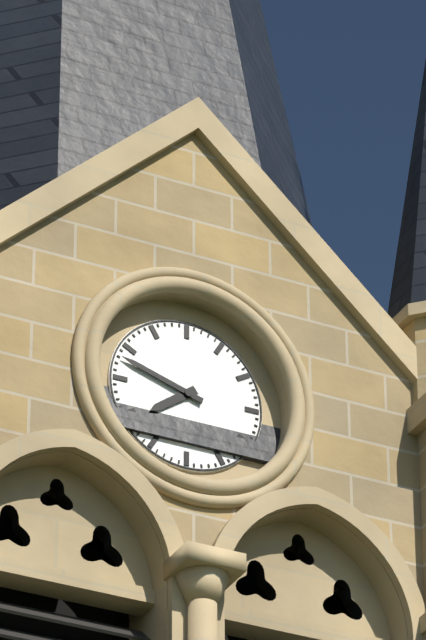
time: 7:48
